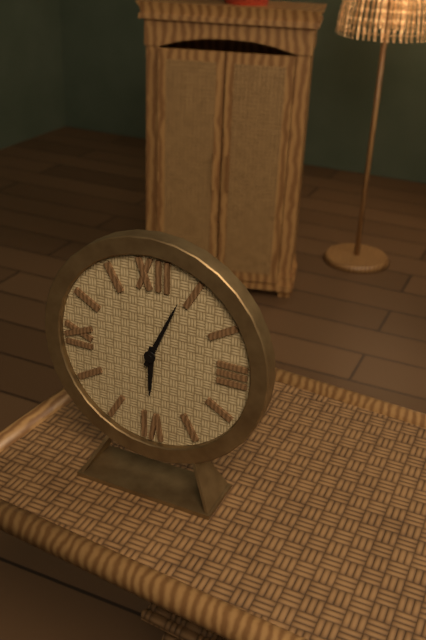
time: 6:04
